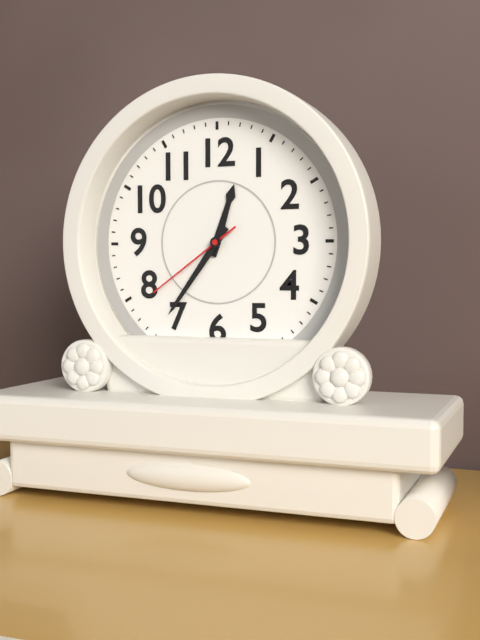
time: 12:36:39
